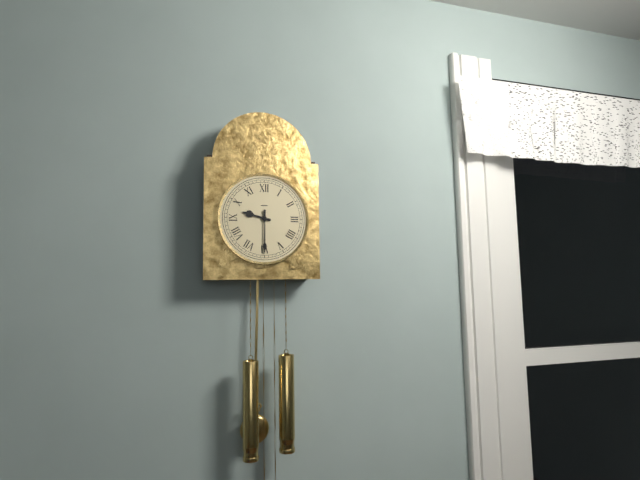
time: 9:30
